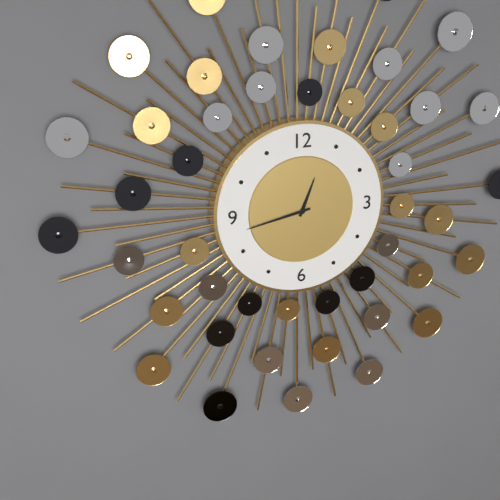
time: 12:43
